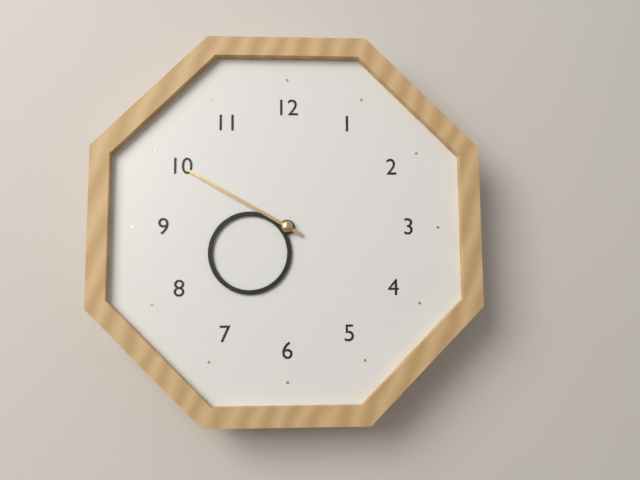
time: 7:50
